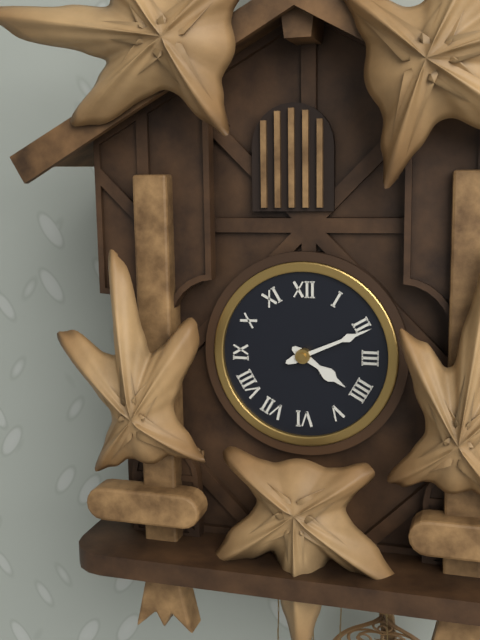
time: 4:11
